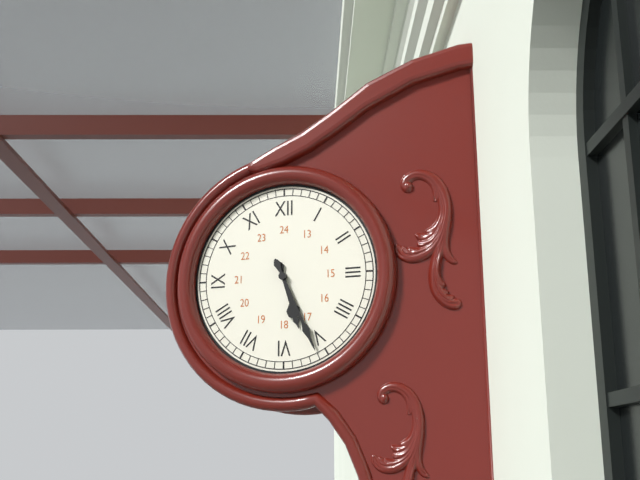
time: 5:26
